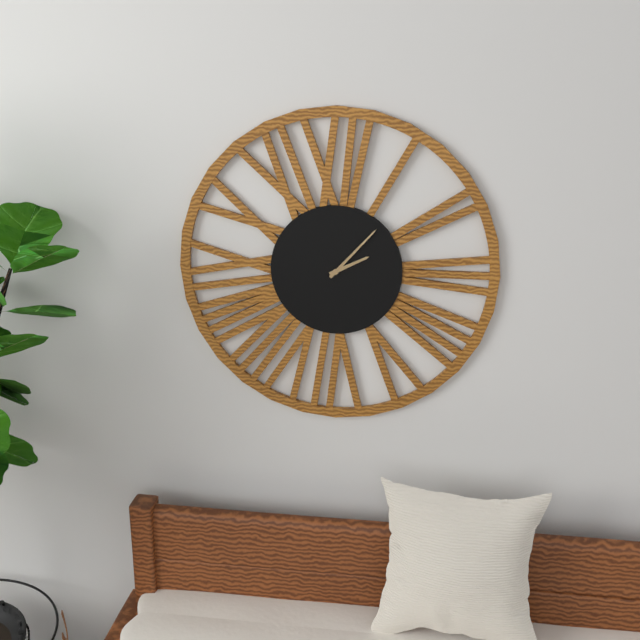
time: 2:07
